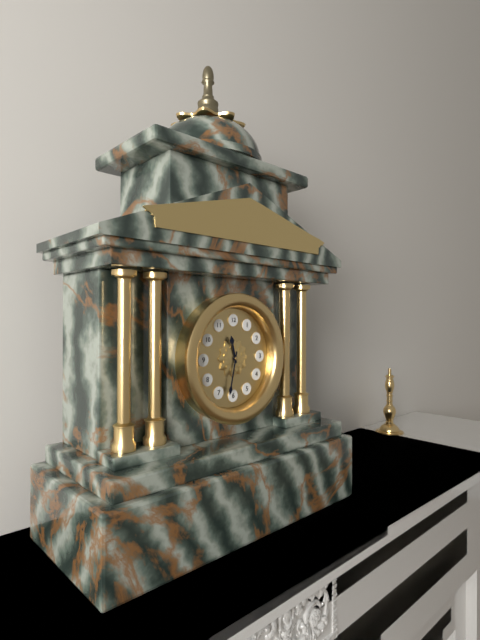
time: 11:32
